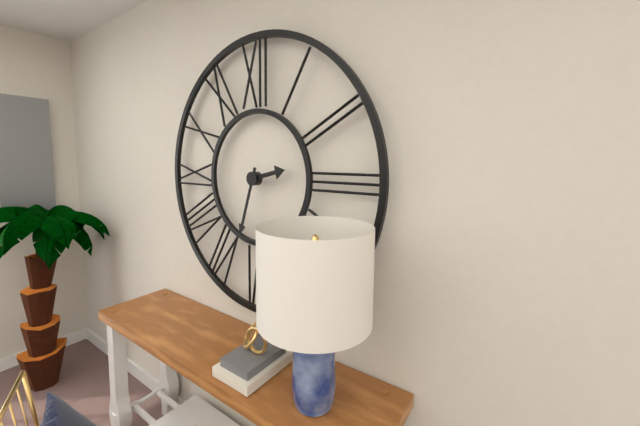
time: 2:33
